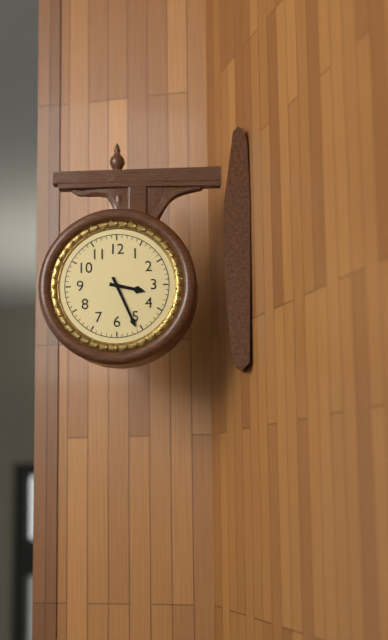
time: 3:26
